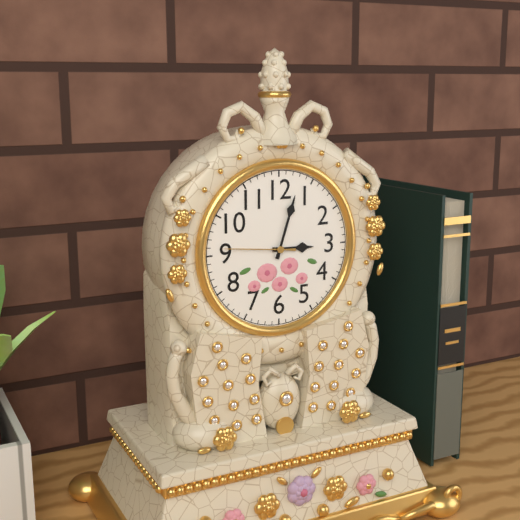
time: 3:03:46
